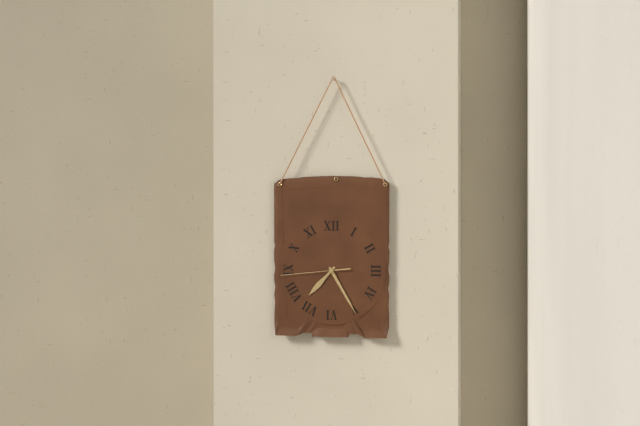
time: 7:25:44
